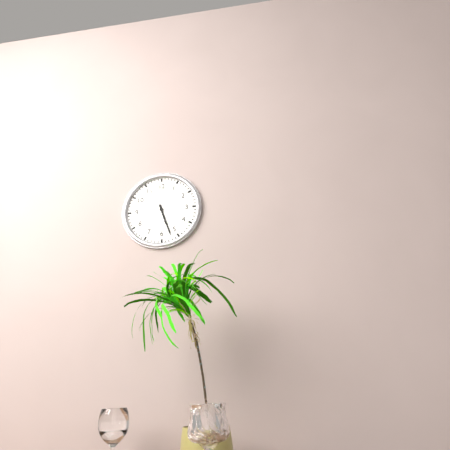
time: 5:27
